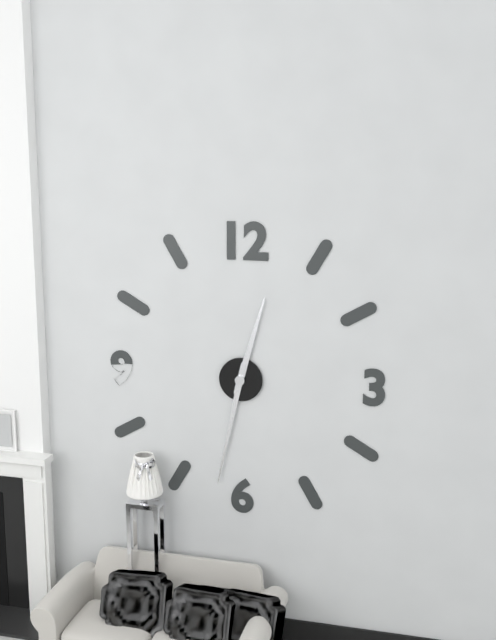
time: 12:32
